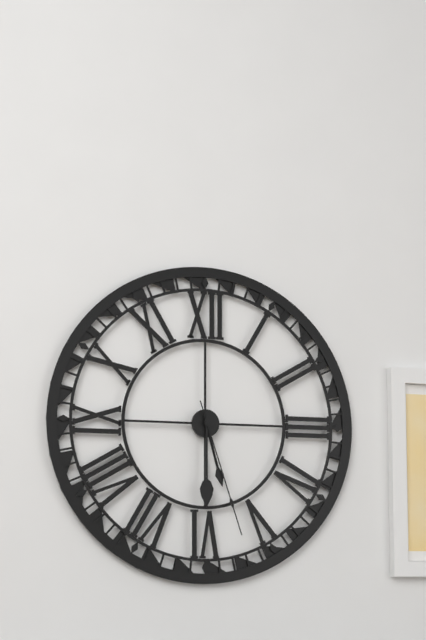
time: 5:30:27
